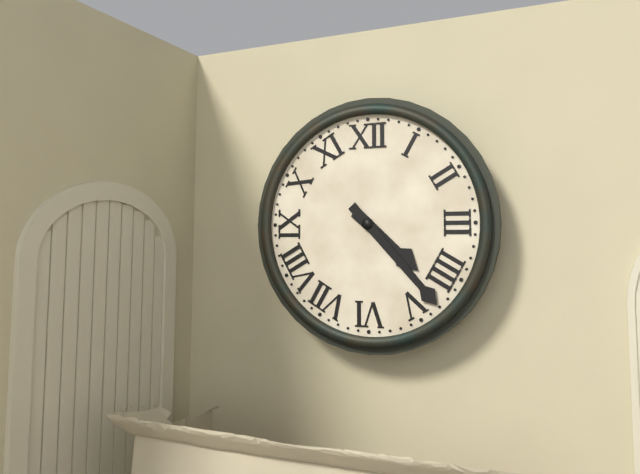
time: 4:23
